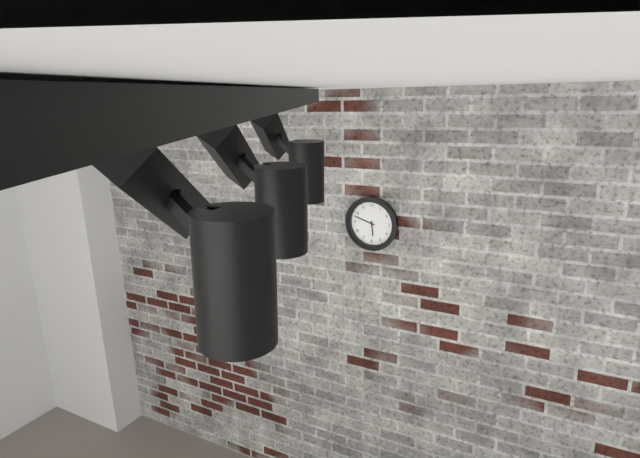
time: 5:48
